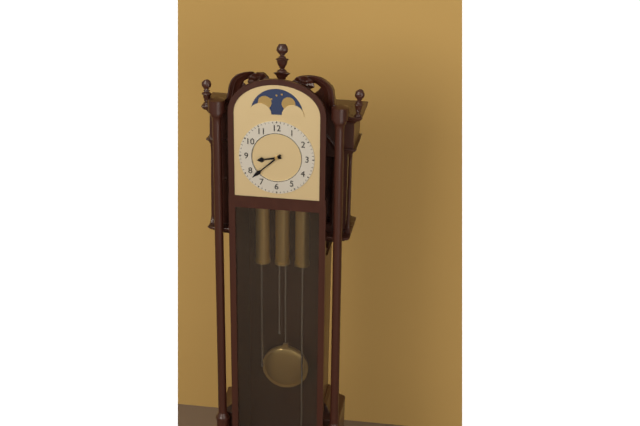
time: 8:38
